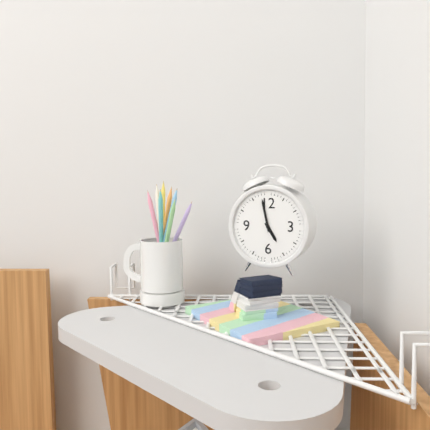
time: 4:58
